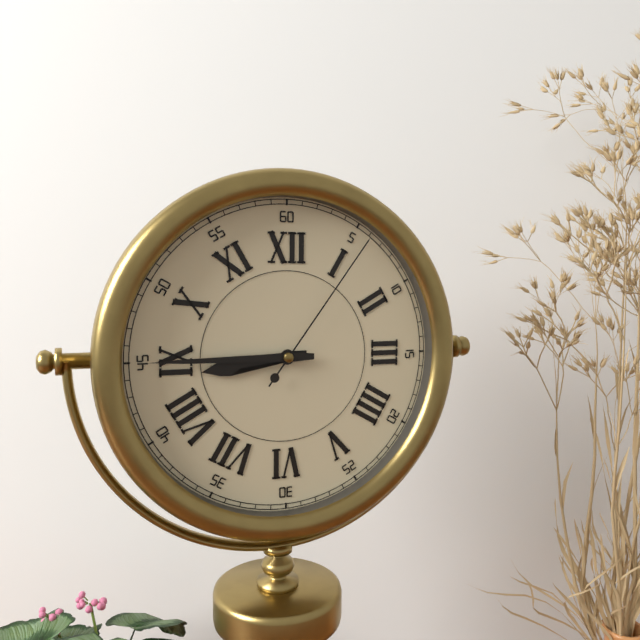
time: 8:45:06
